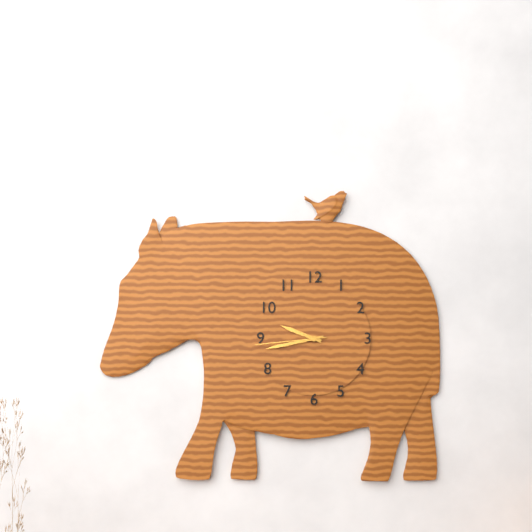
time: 9:43:44
